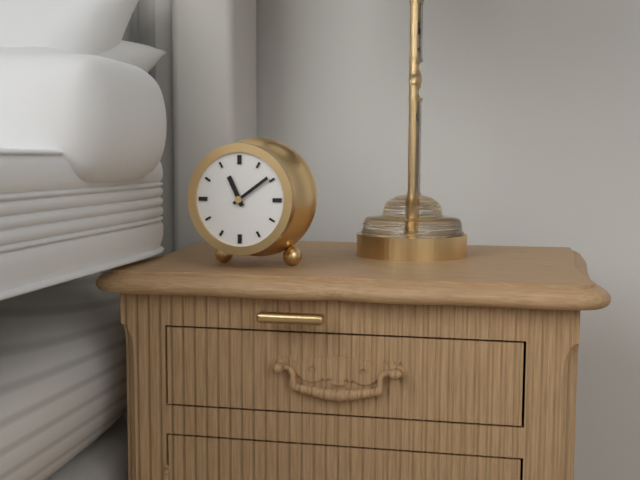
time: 11:09
